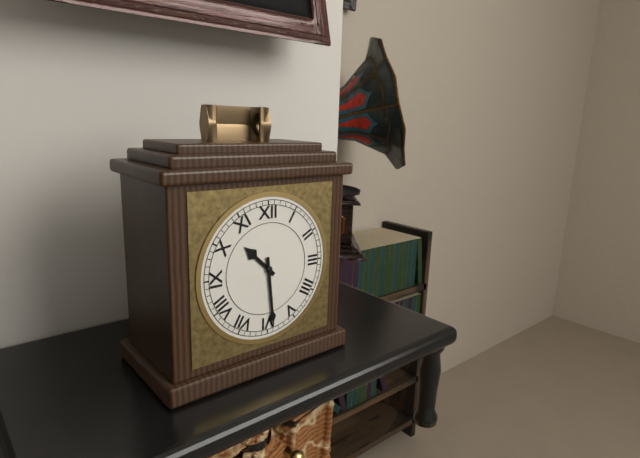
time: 10:29
